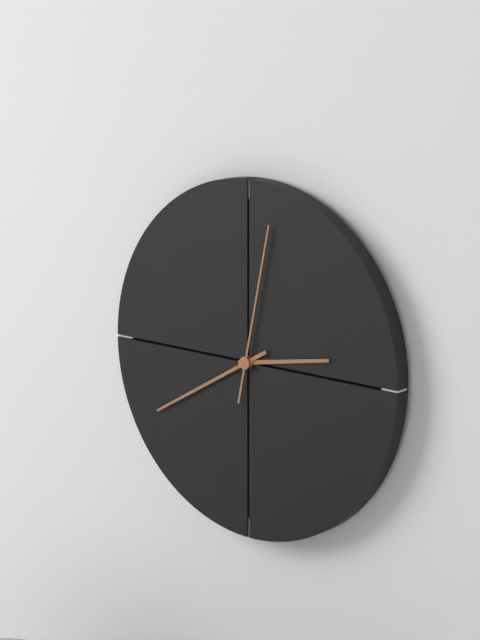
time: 2:40:02
